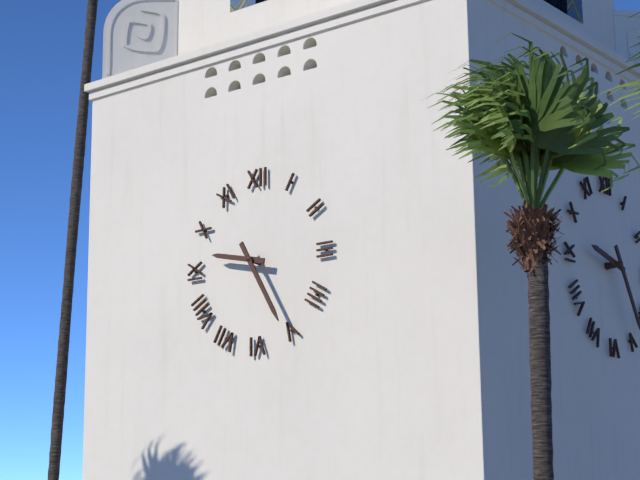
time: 9:25
